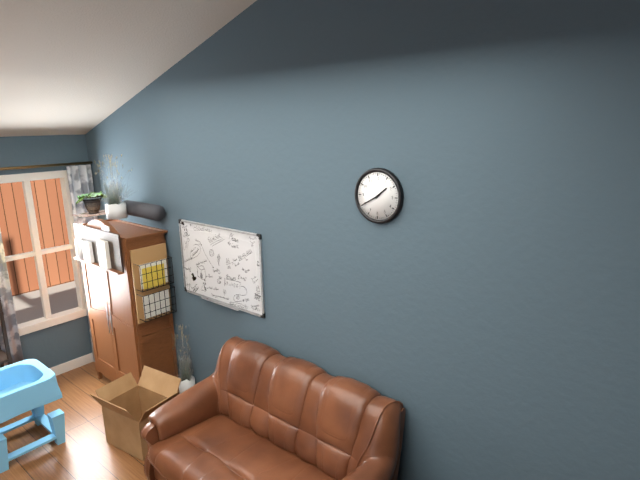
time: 1:40
